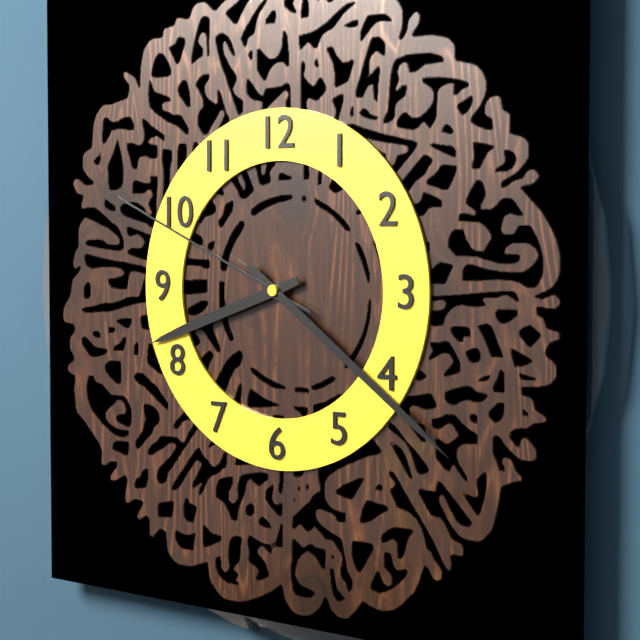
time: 8:21:49
